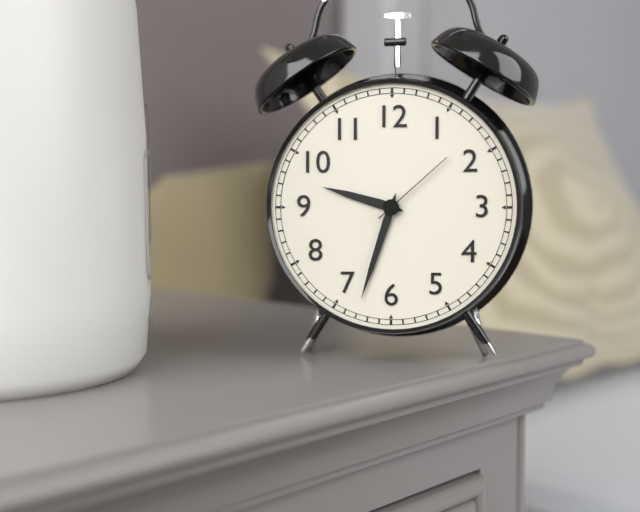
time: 9:33:08
